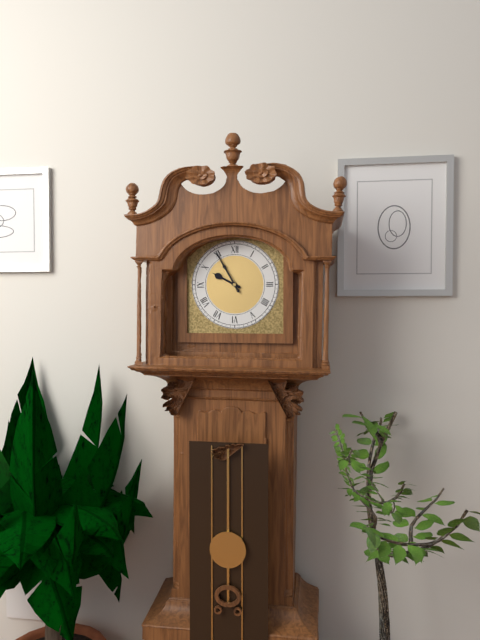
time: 9:55
